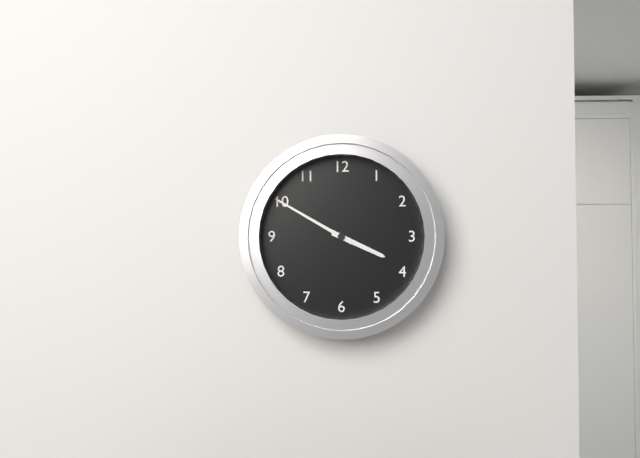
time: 3:50
